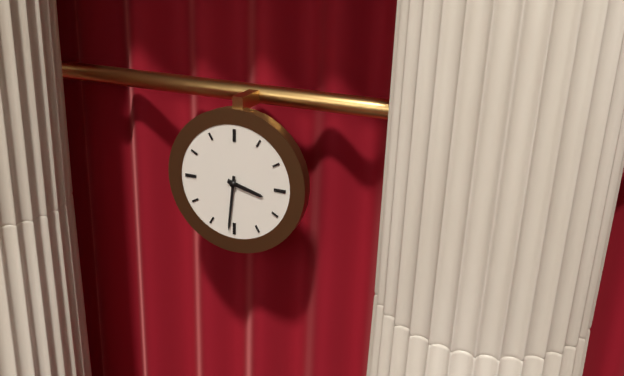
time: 3:31
